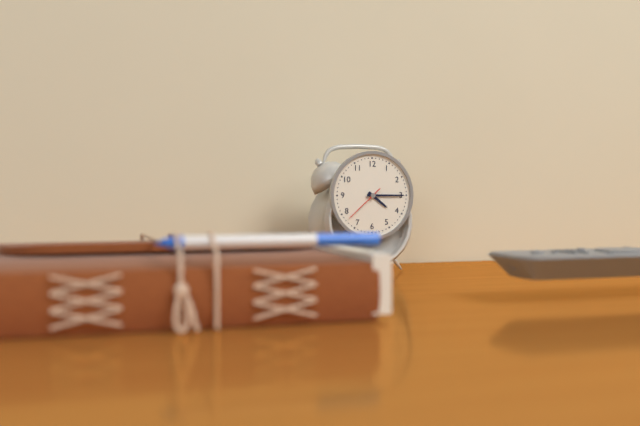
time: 4:15
